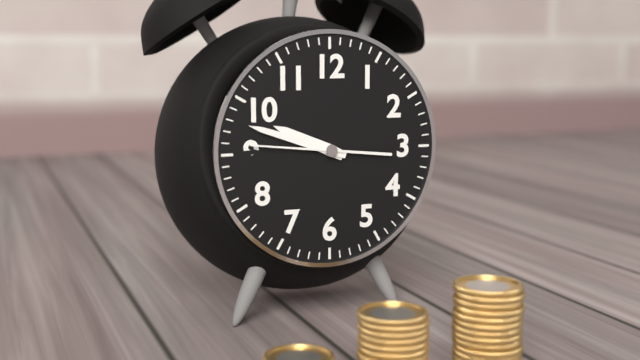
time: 9:48:46
